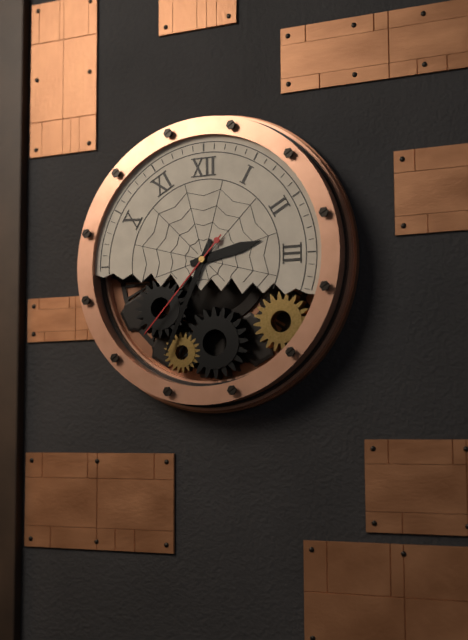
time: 2:34:37
